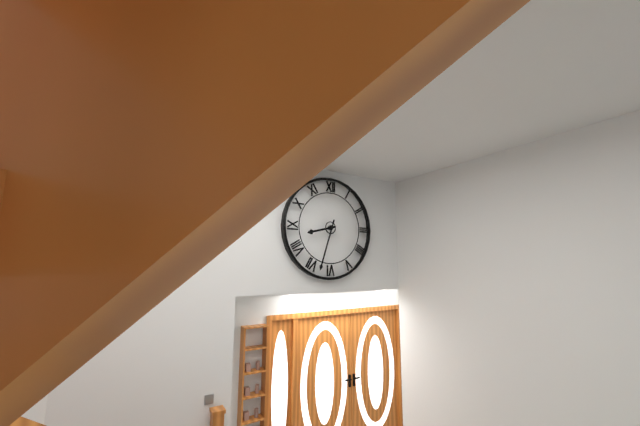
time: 8:33
